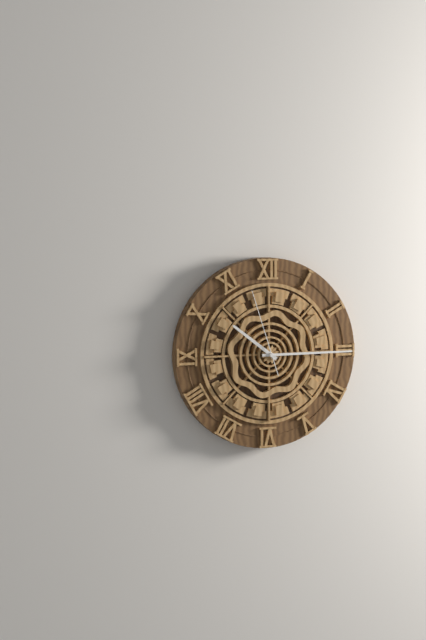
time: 10:15:57
